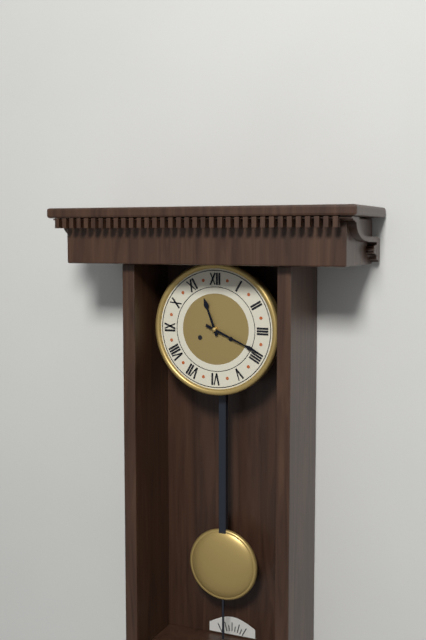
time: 11:19
